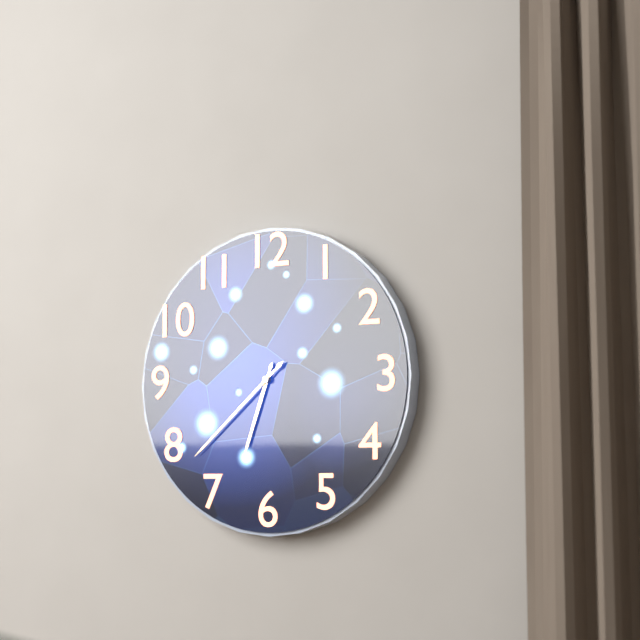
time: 6:38
